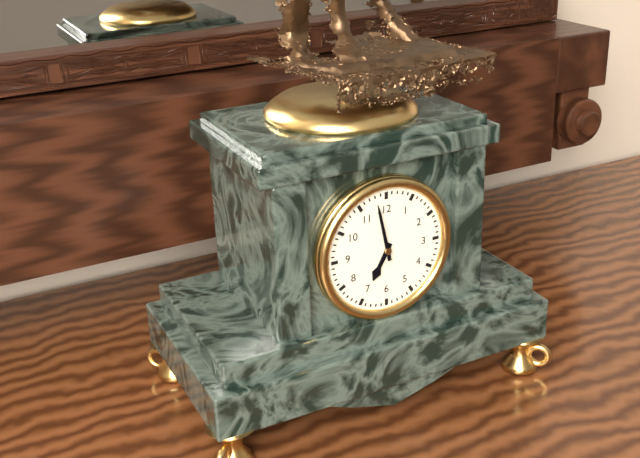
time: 6:58
